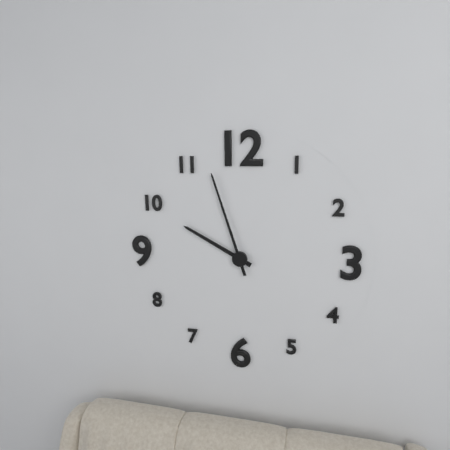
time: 9:57
